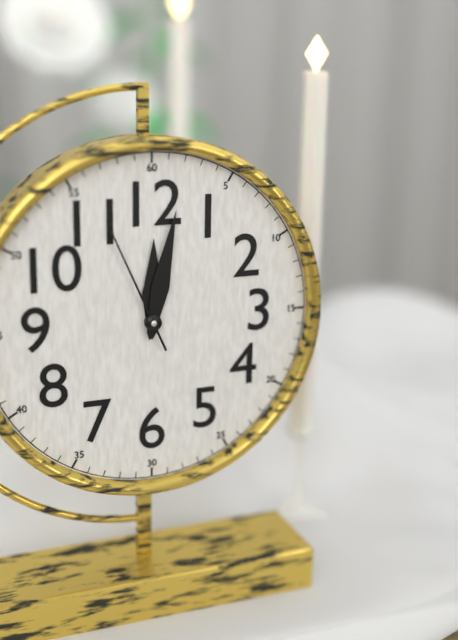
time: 12:02:56
